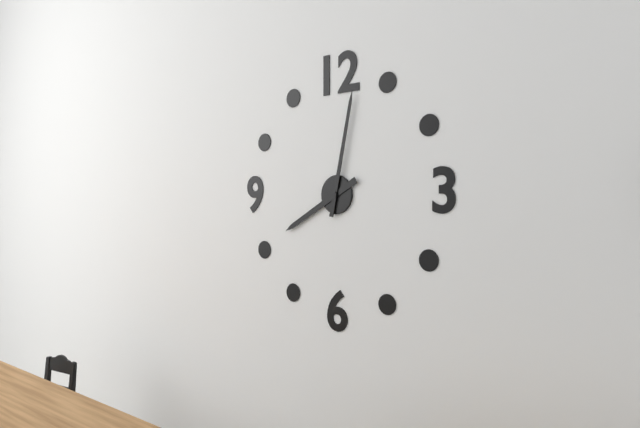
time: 8:02
